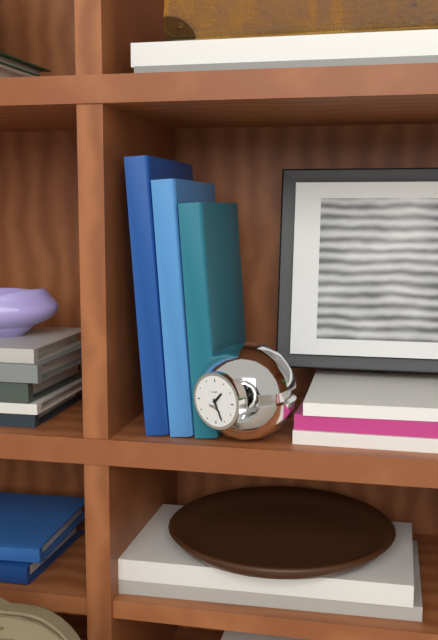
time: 1:26
